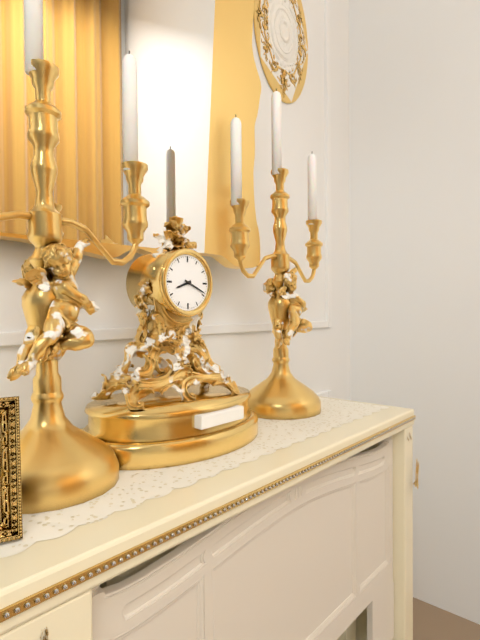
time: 8:19
